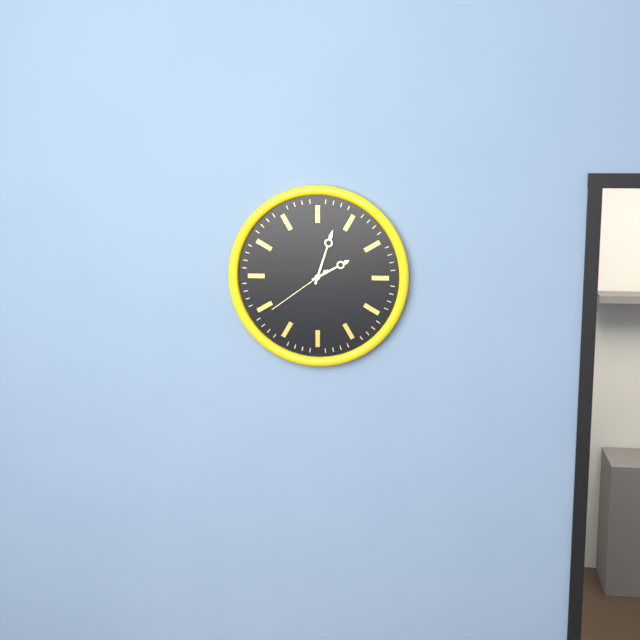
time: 2:03:39
